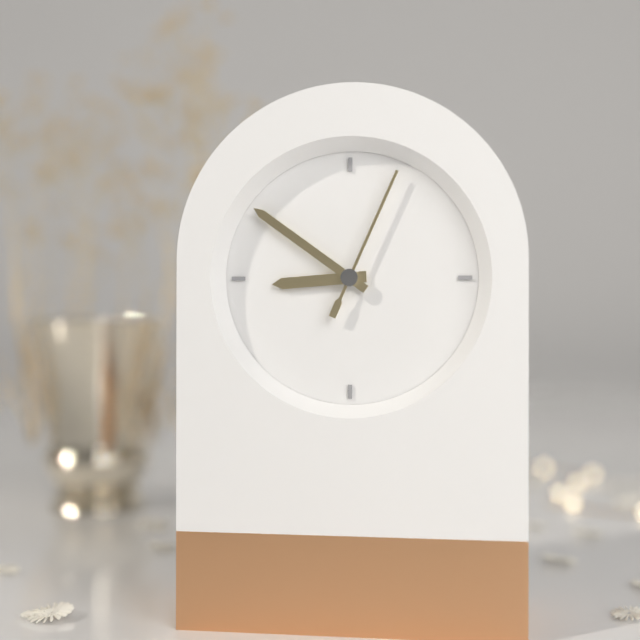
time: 8:51:04
